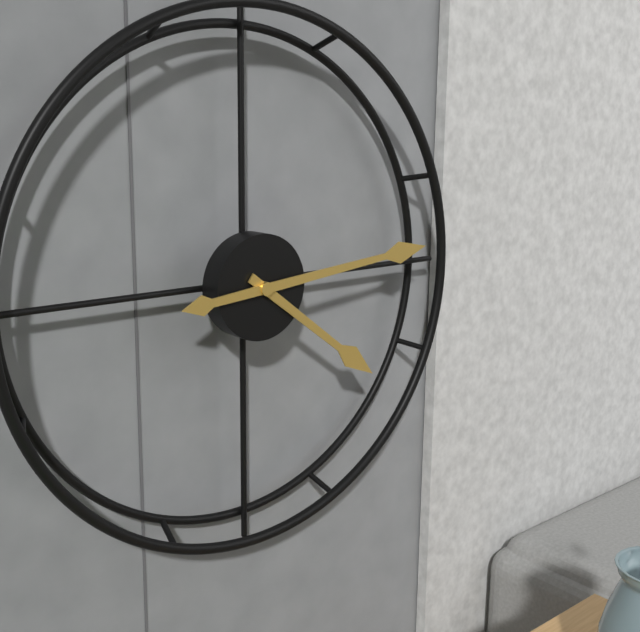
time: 4:14
